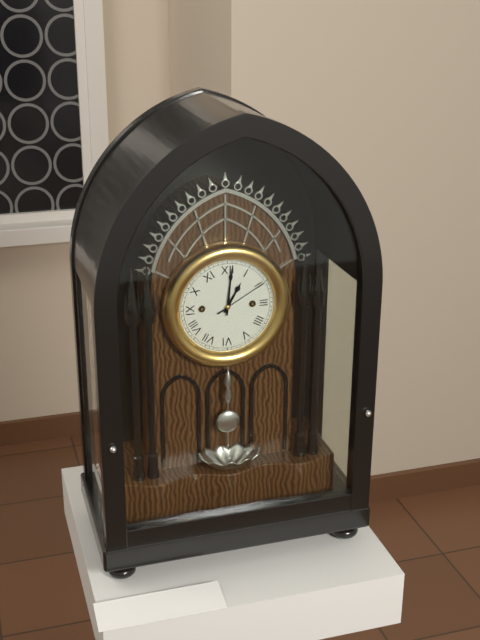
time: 1:01:10
